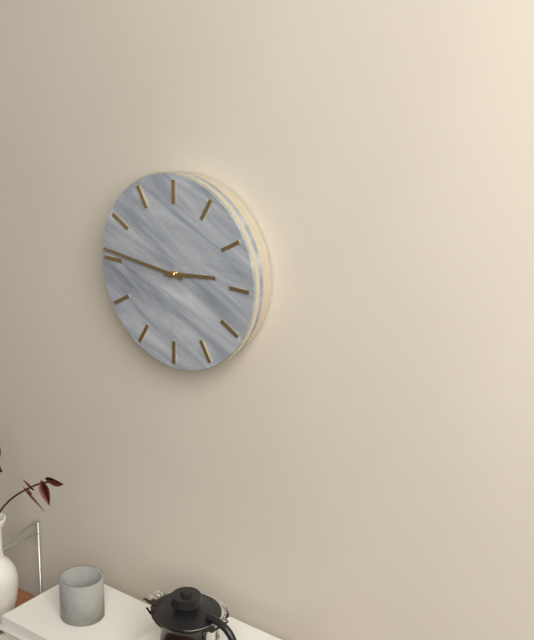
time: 2:46
